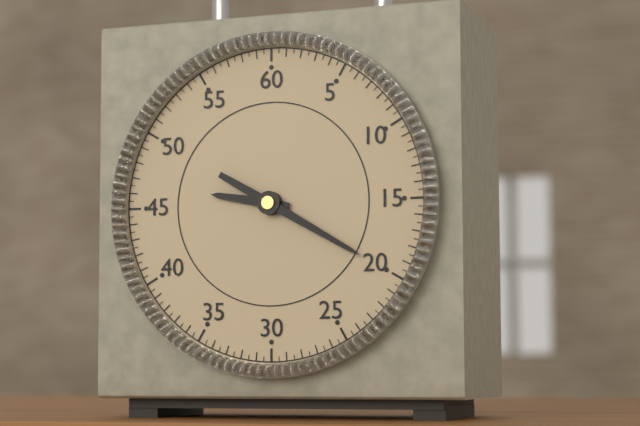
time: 9:20
